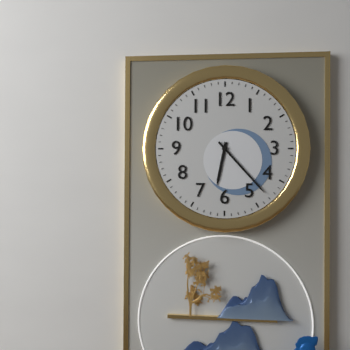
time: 6:23
